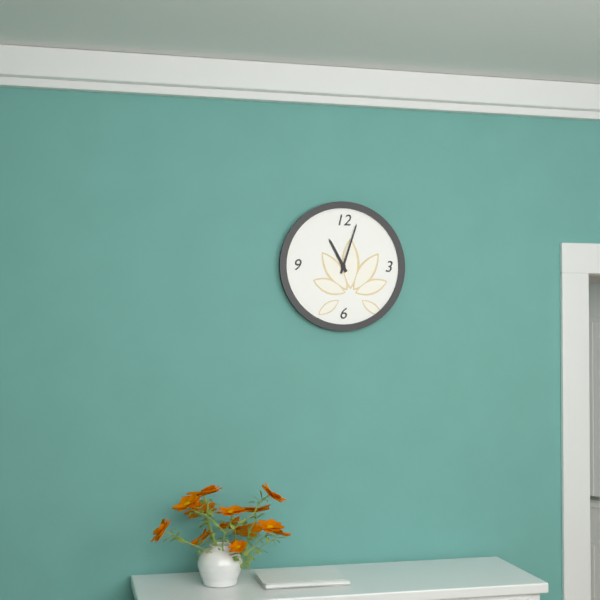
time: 11:03
